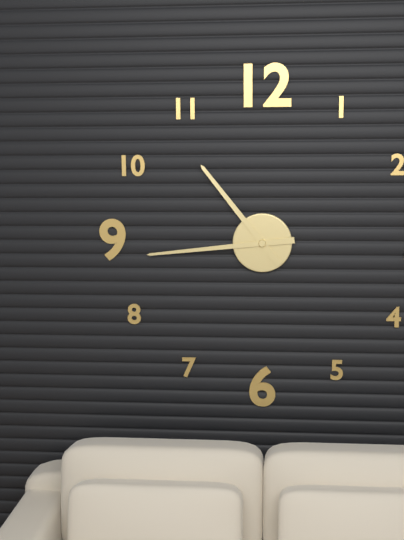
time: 10:44
